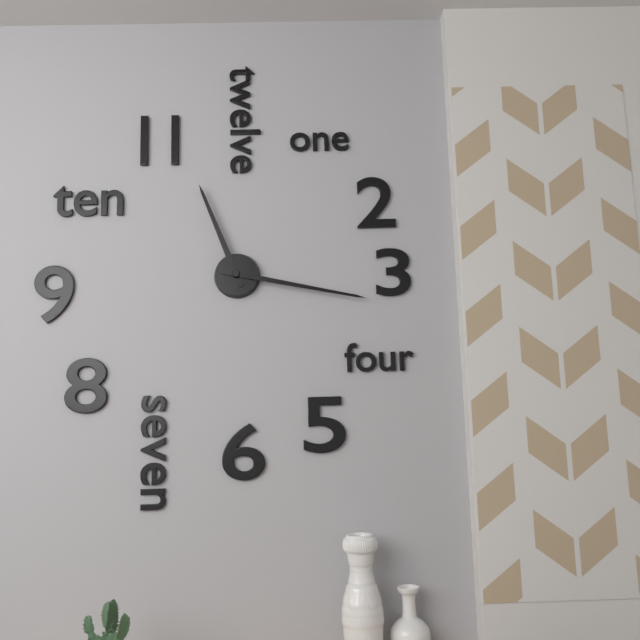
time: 11:17
